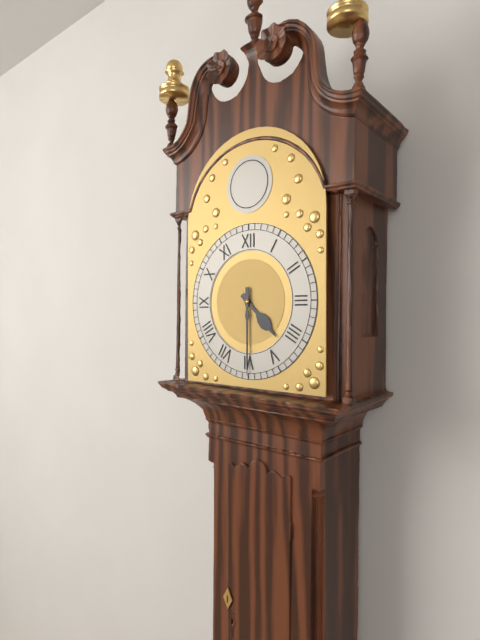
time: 4:30
